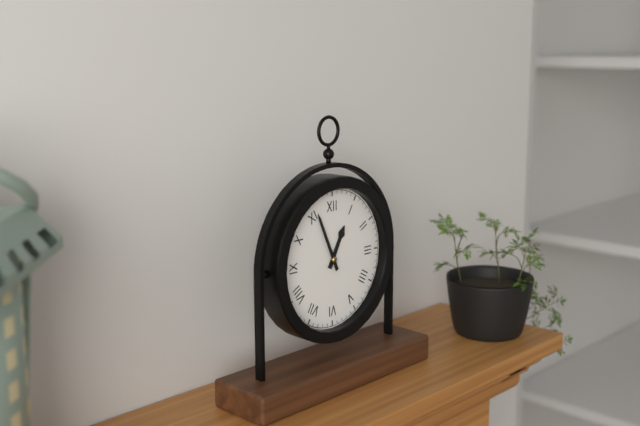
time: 12:56
